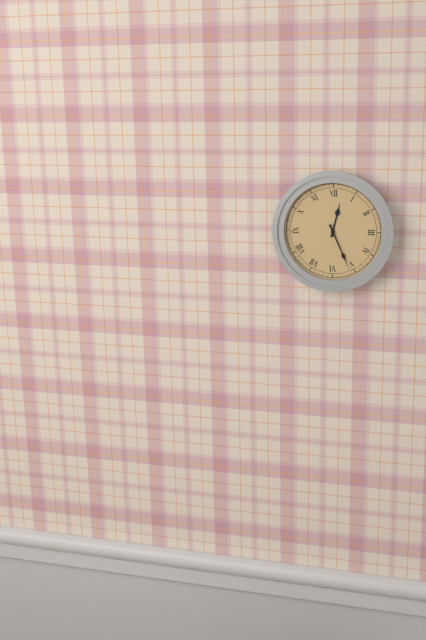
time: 12:26
